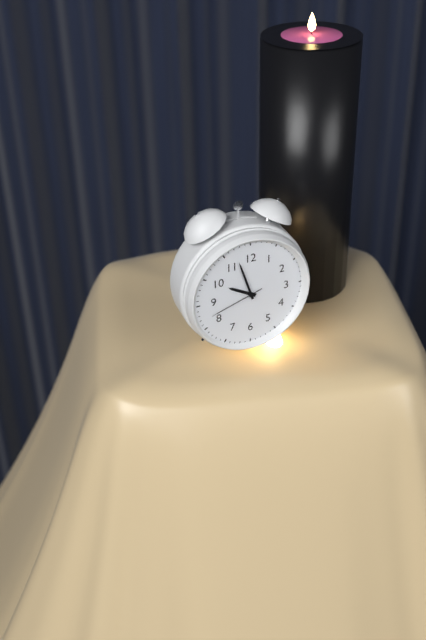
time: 9:57:42
